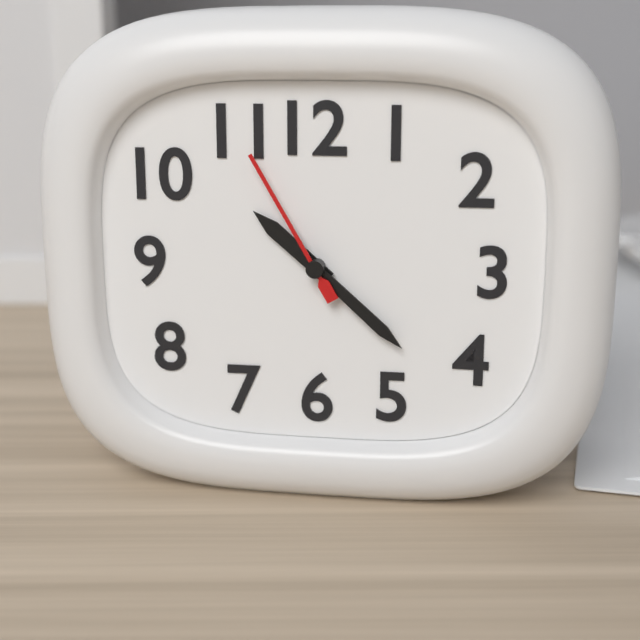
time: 10:22:55
